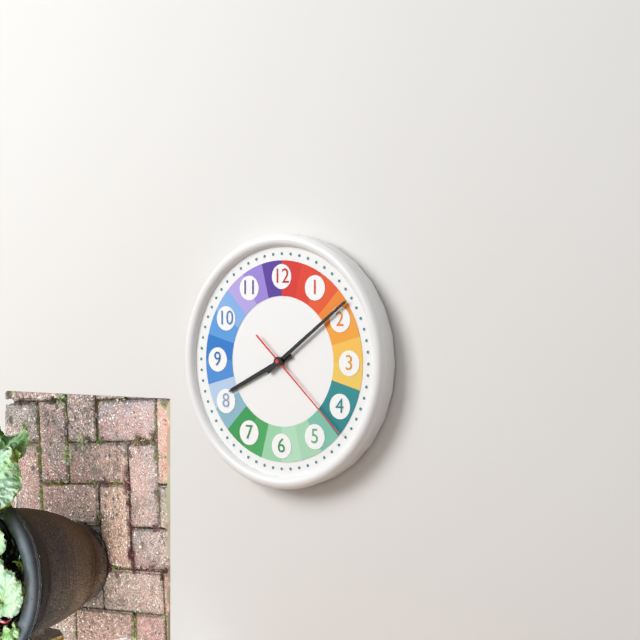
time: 8:09:22
